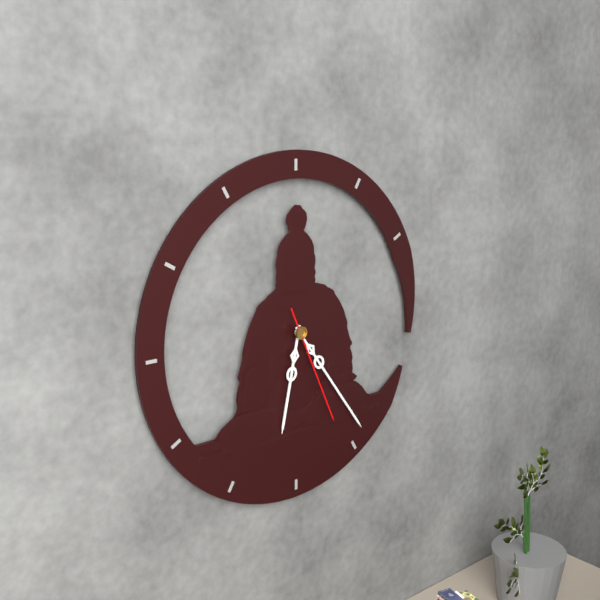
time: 6:24:26
